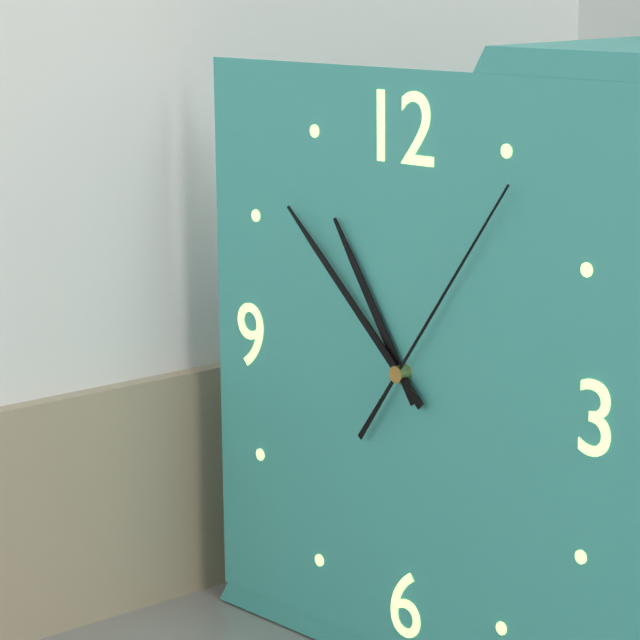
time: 10:52:06
